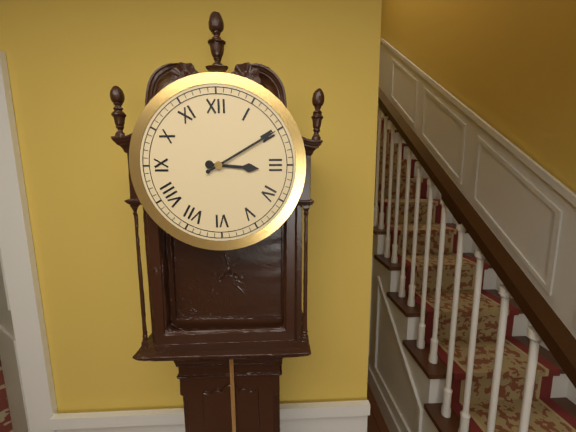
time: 3:10
